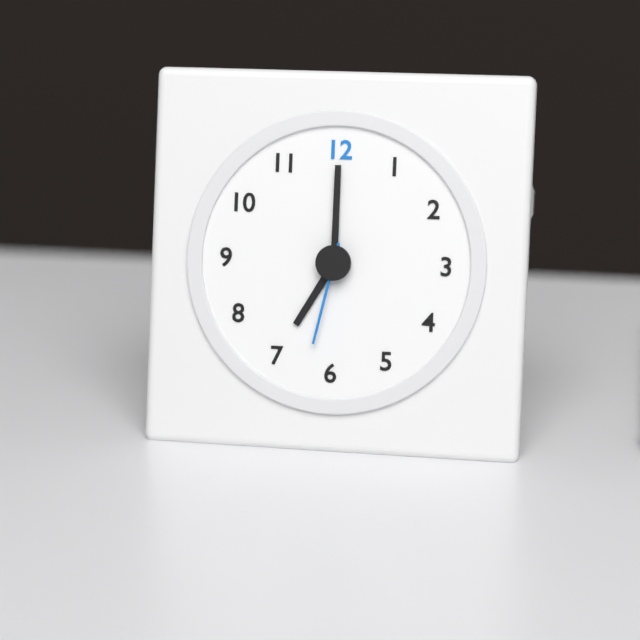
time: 7:00:32
